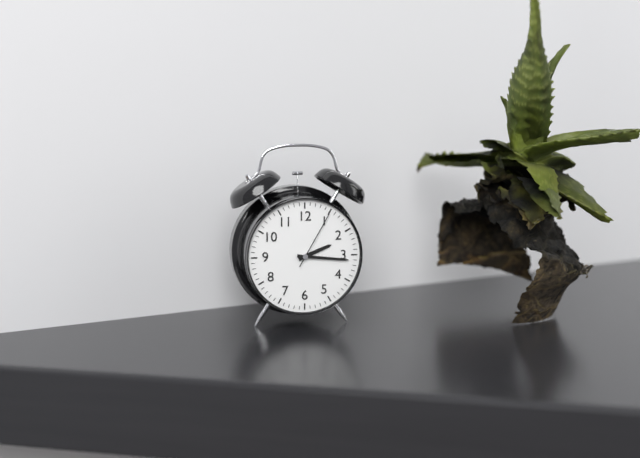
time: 2:16:05
